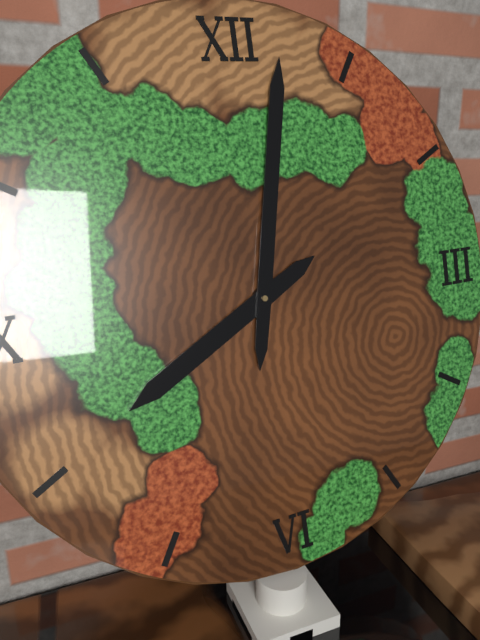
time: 8:02
